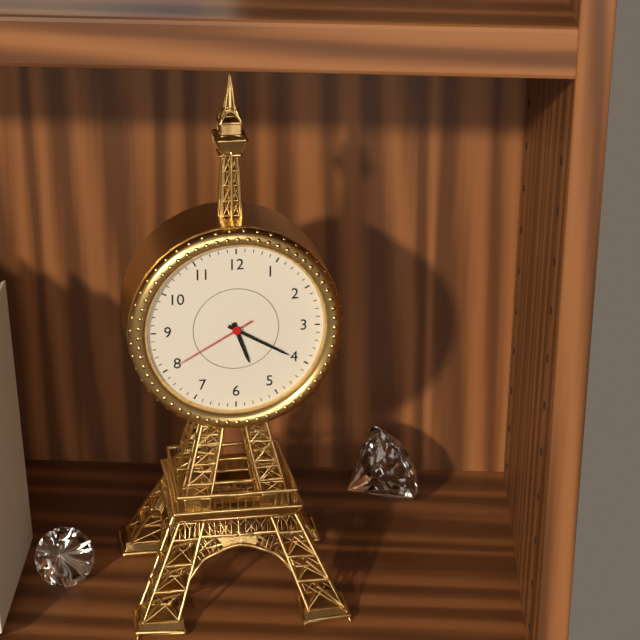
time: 5:20:40
